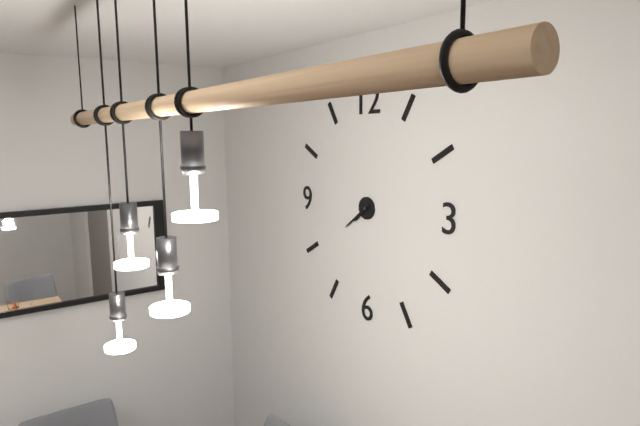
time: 7:39
